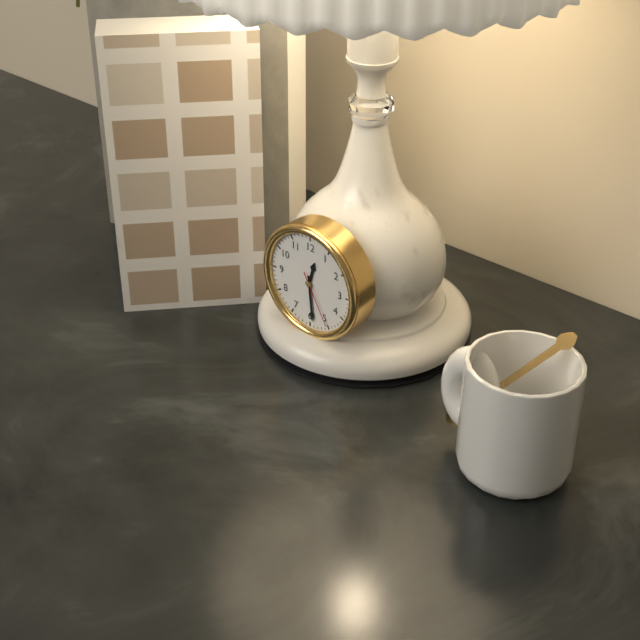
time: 12:29:25
